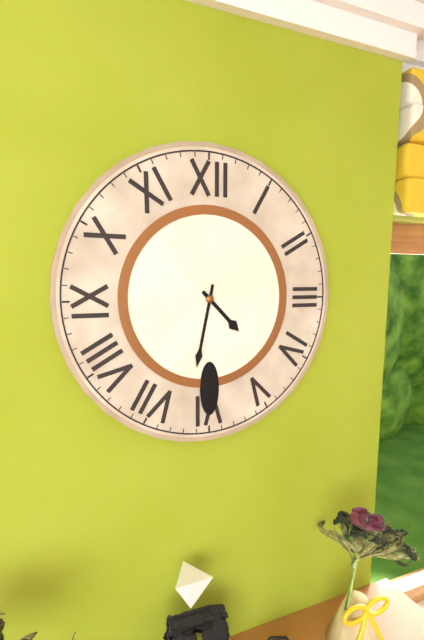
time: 4:32
